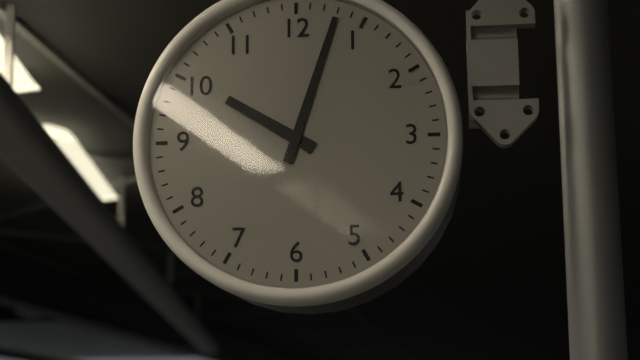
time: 10:03
